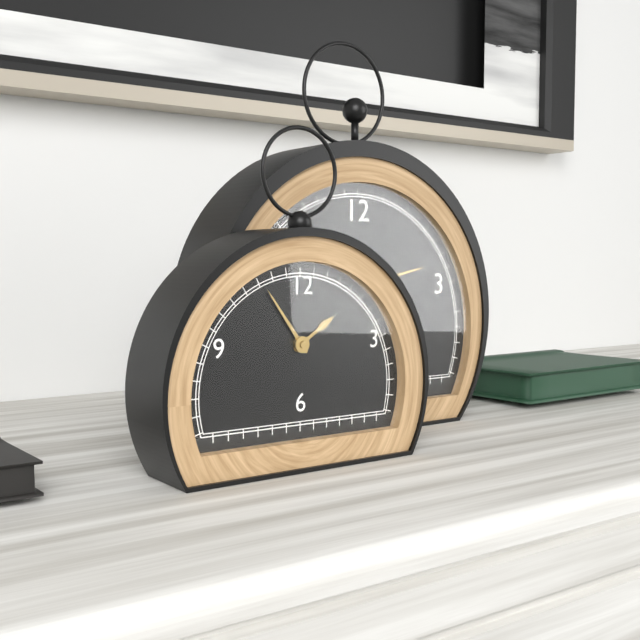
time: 1:54
